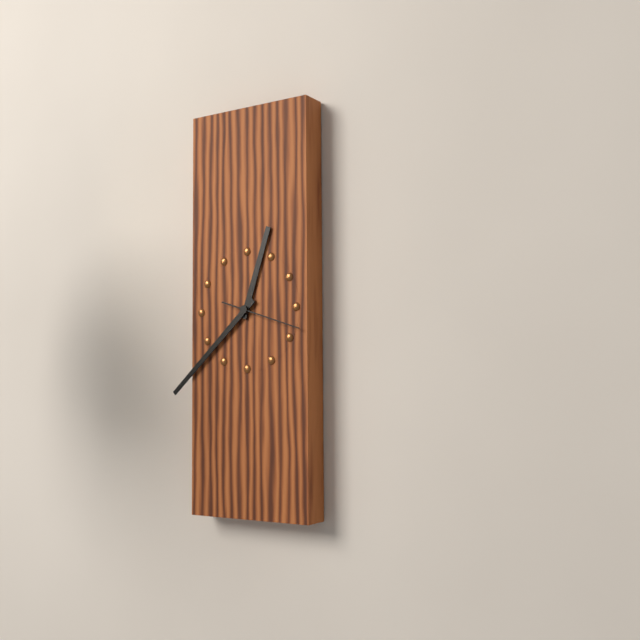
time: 12:38:18
